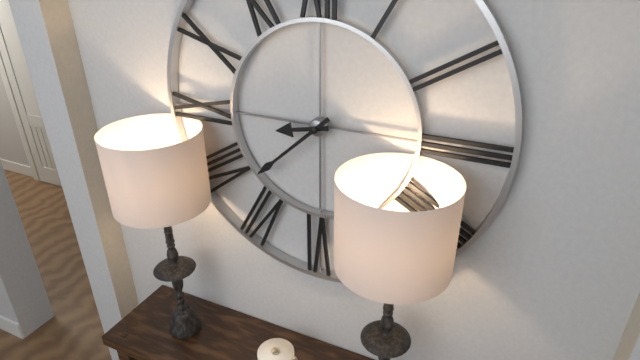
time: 8:38
